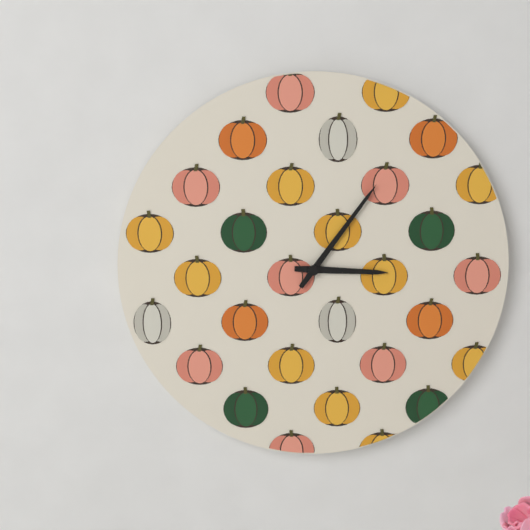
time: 3:06
